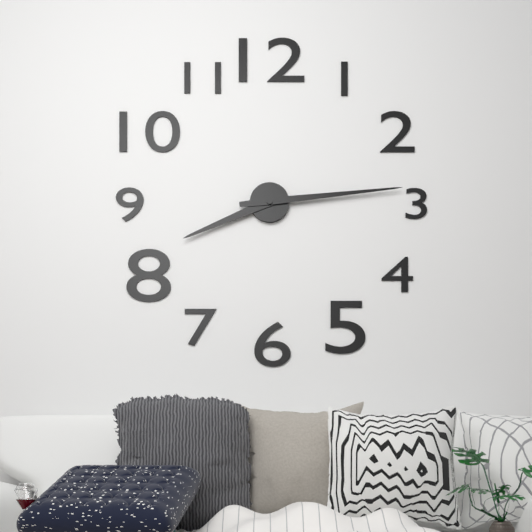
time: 8:14
